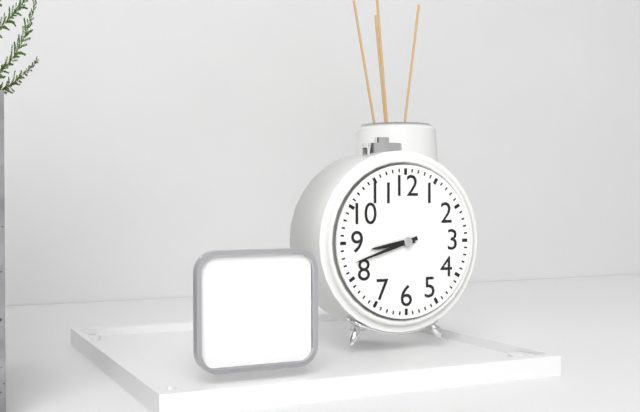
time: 8:42
